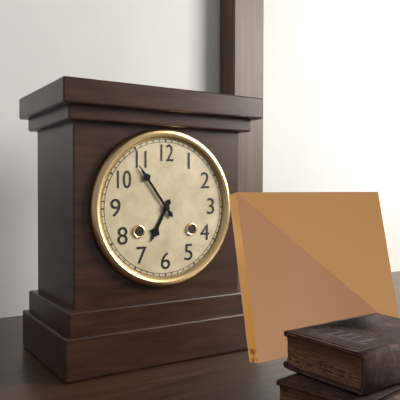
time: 6:54
